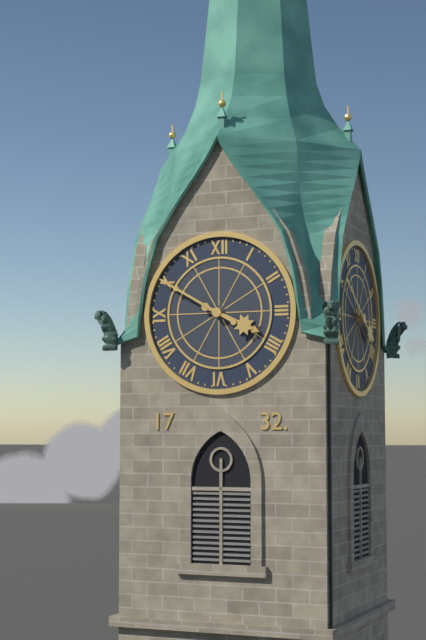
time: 3:50
